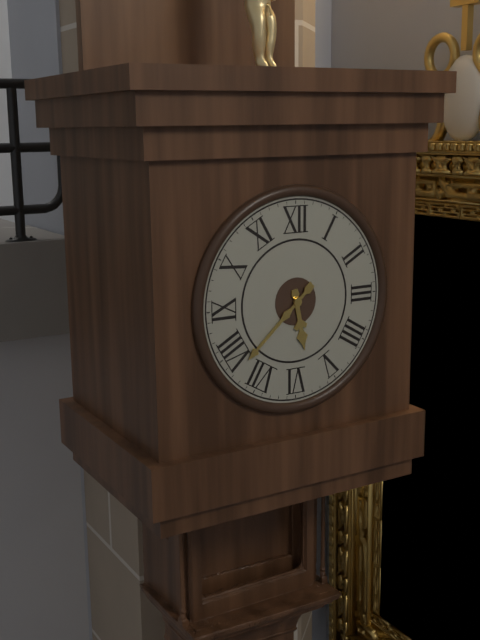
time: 5:38
